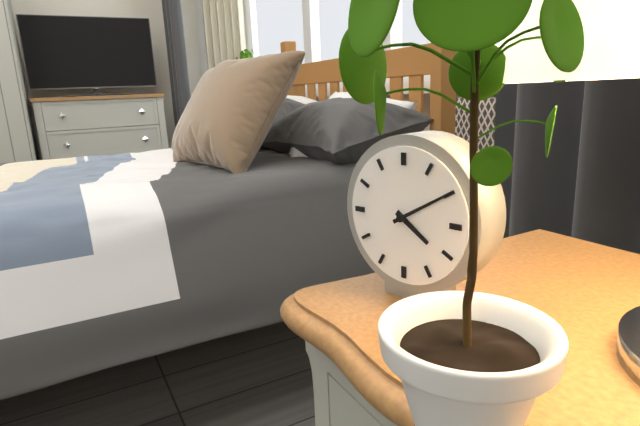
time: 4:10
